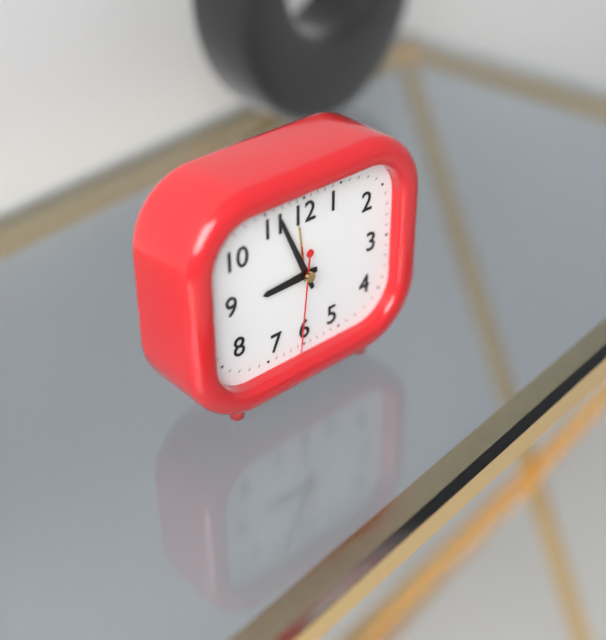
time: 8:56:31
